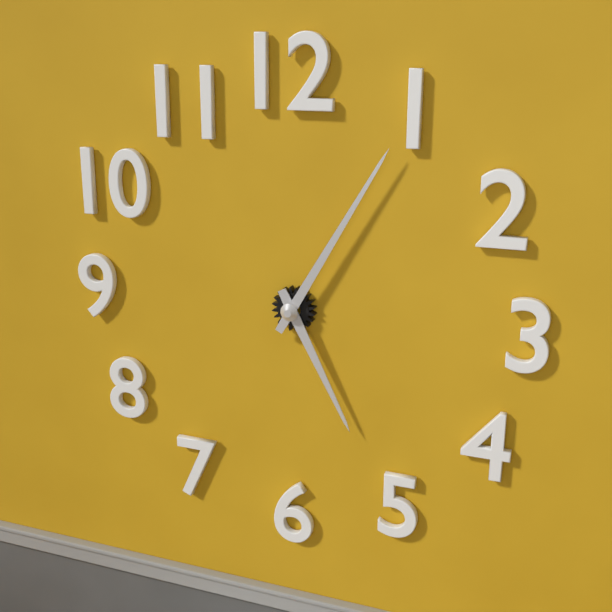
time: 5:05
